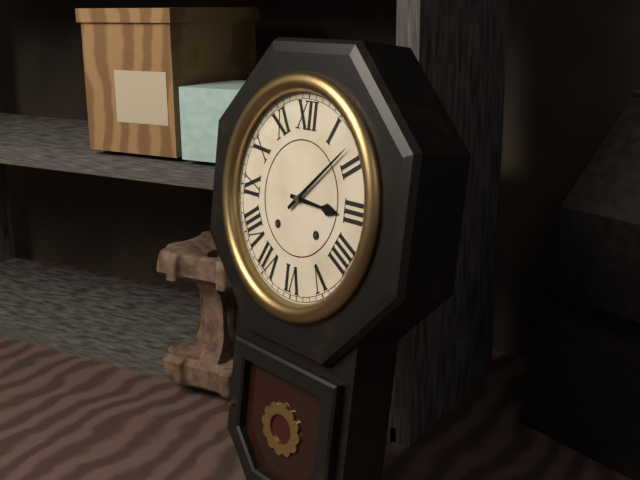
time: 3:08
